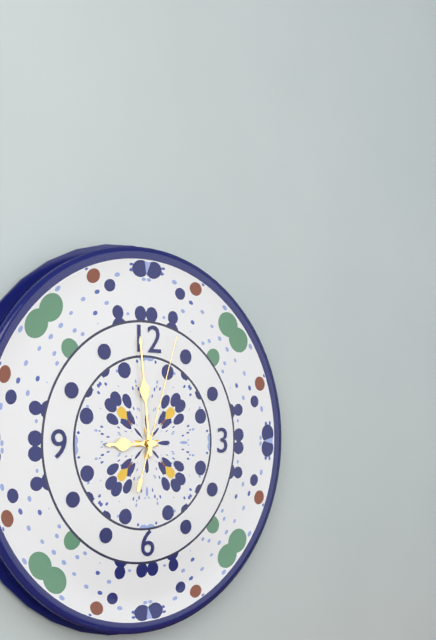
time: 8:59:03
